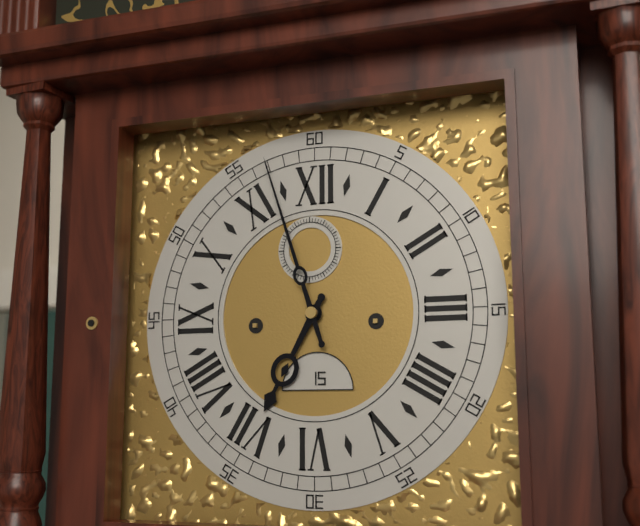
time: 6:57
